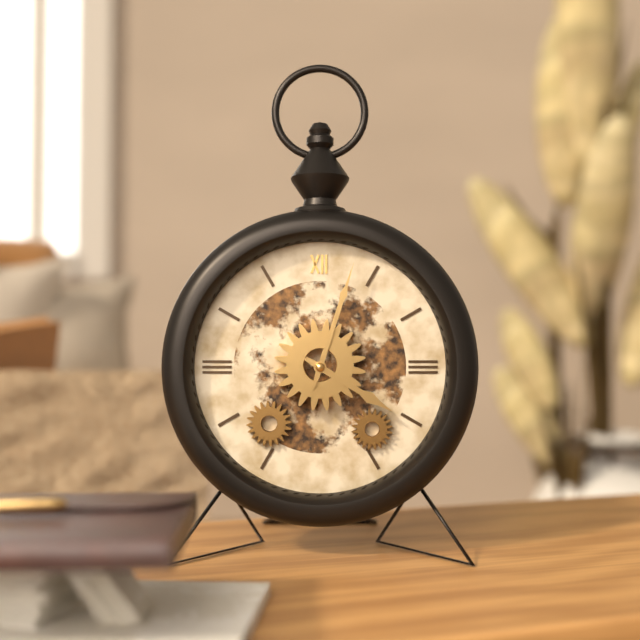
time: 4:03
